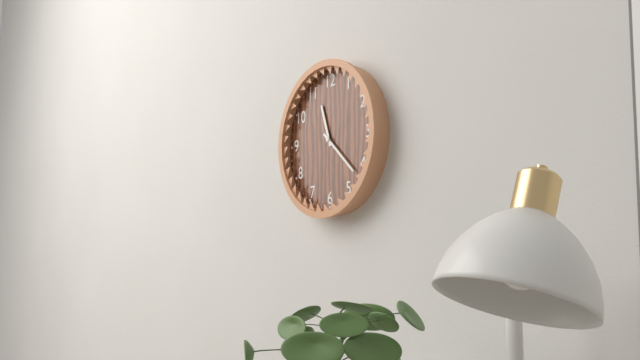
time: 11:22
